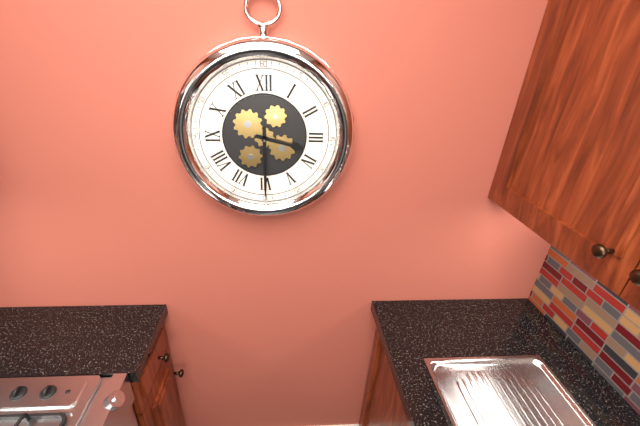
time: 3:30
